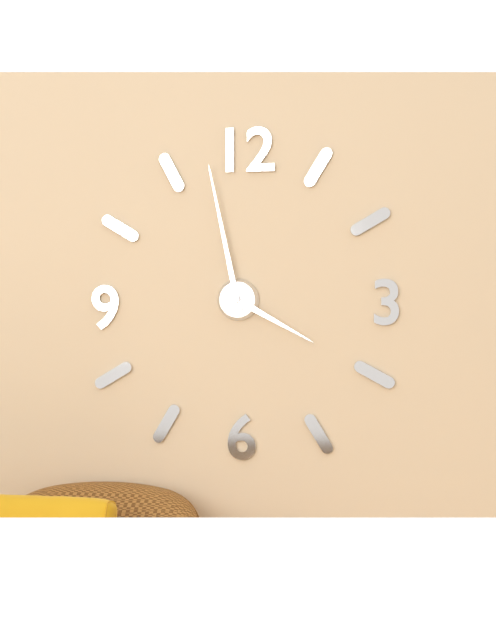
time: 3:58
